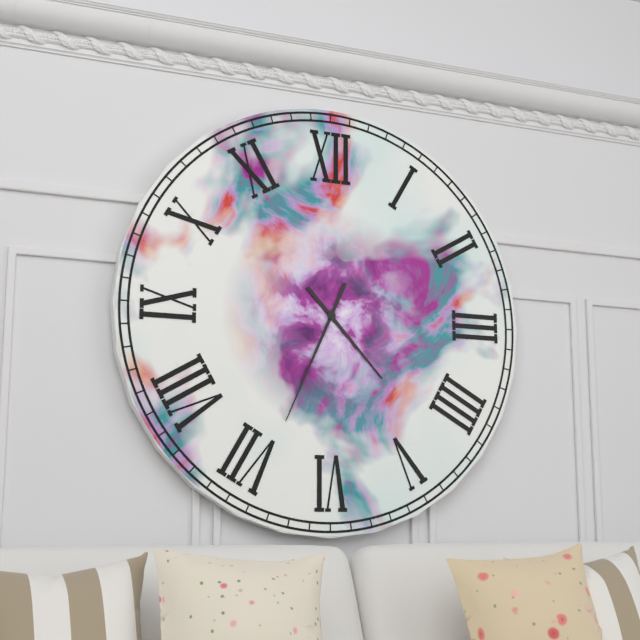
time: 4:34
